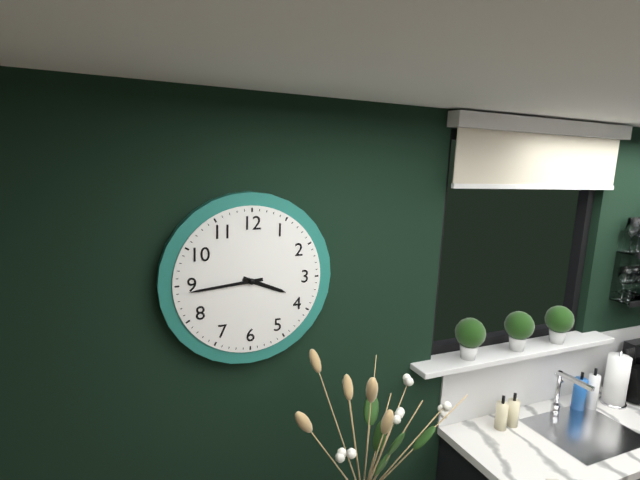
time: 3:44
